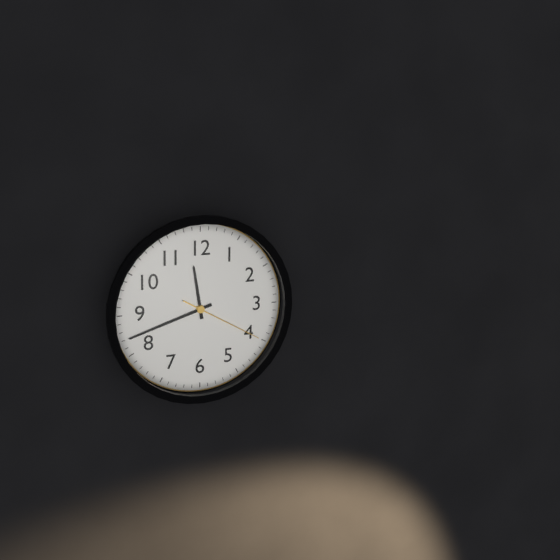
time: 11:42:20
